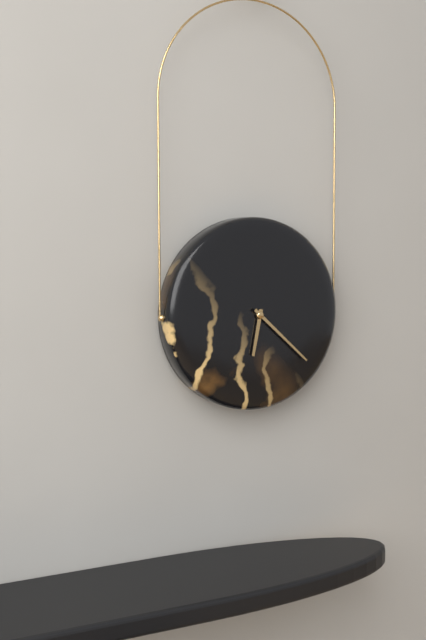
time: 6:22
